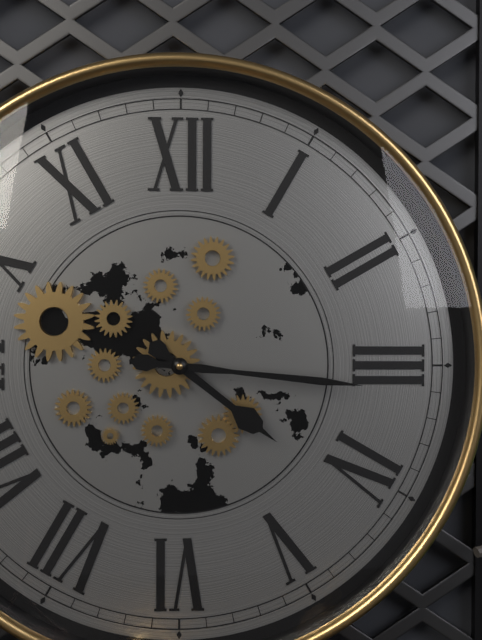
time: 4:16
